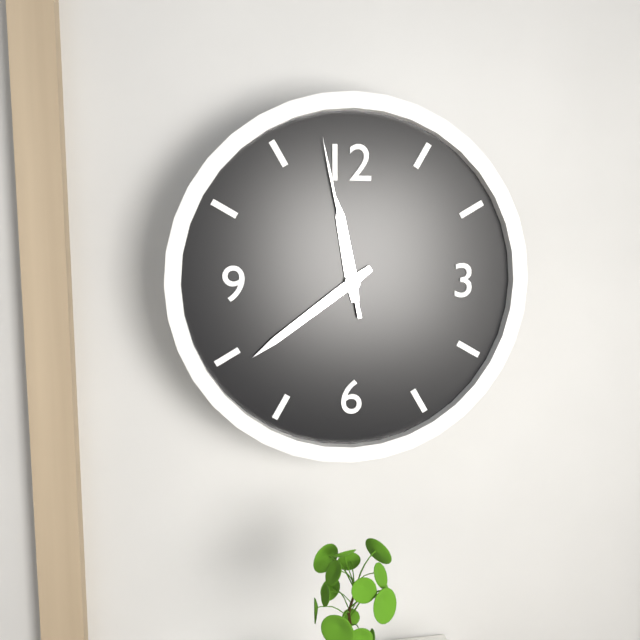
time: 11:39:58
